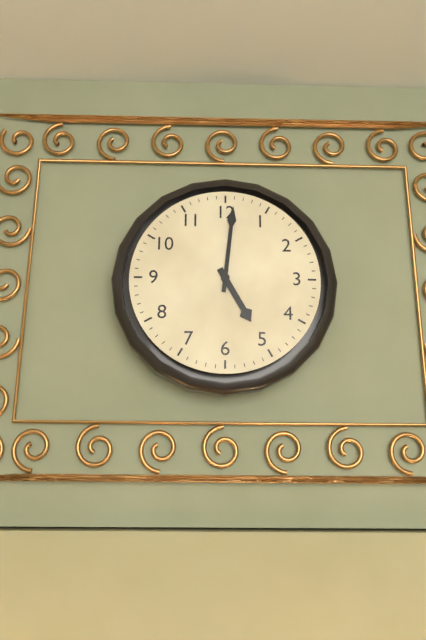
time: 5:01
